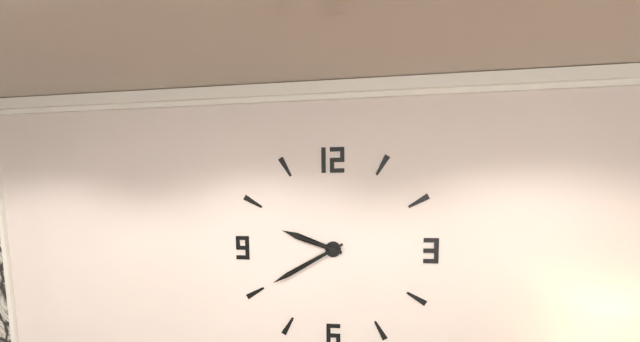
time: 9:40
